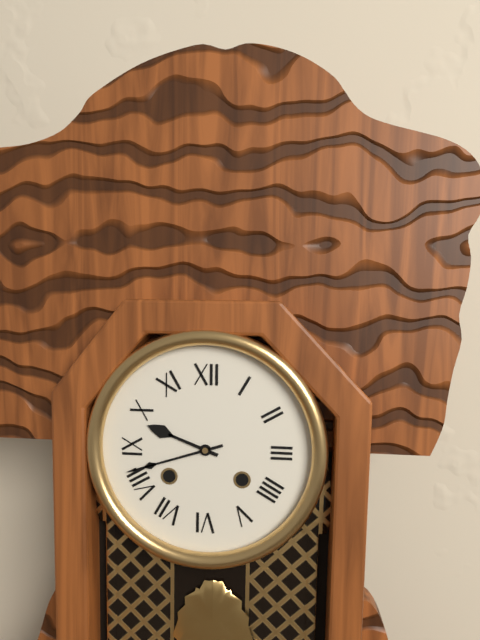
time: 9:42
